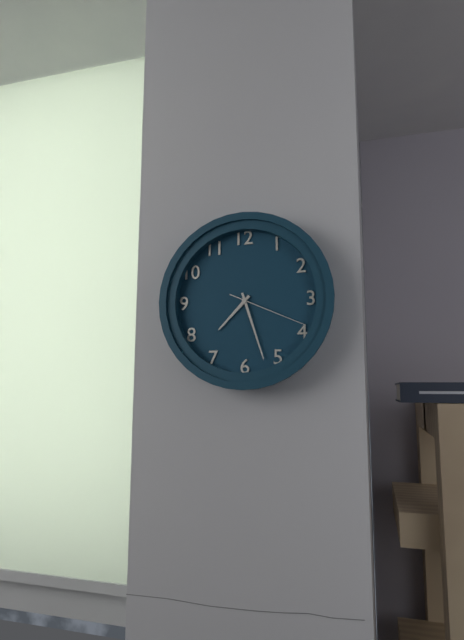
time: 7:27:19
